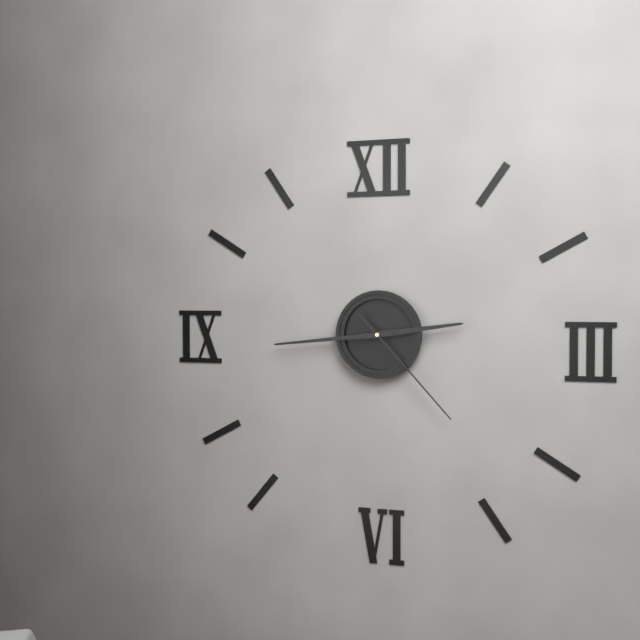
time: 2:44:23
